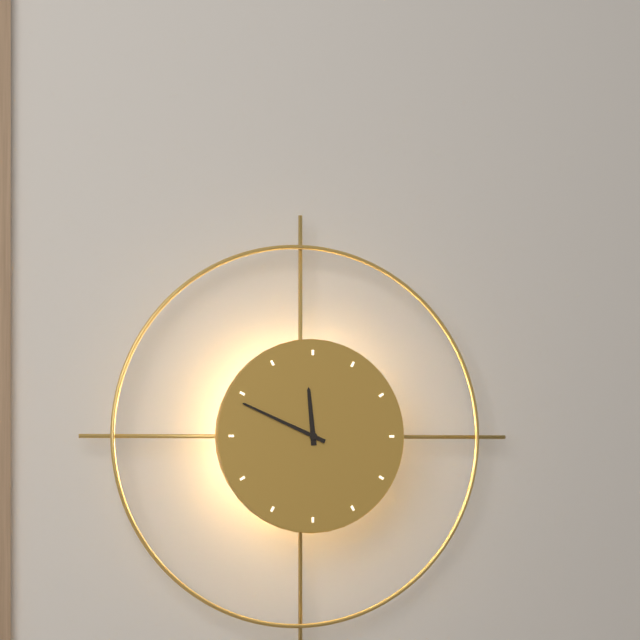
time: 11:49
